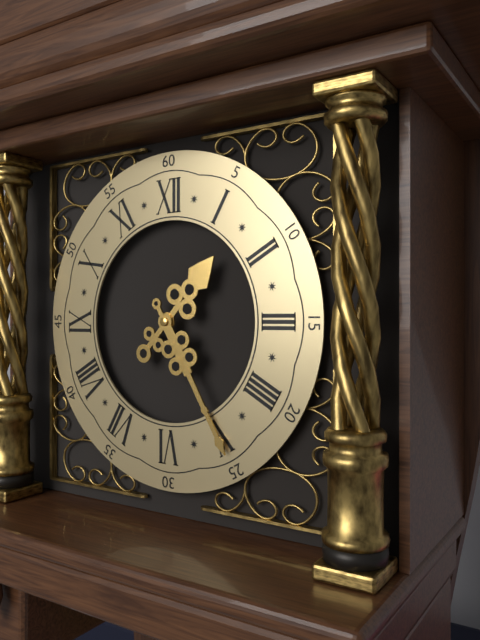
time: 1:25
